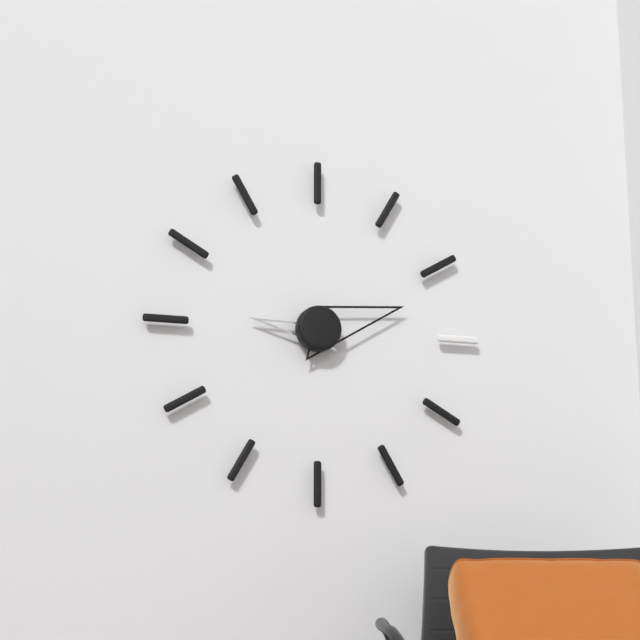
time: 9:12
